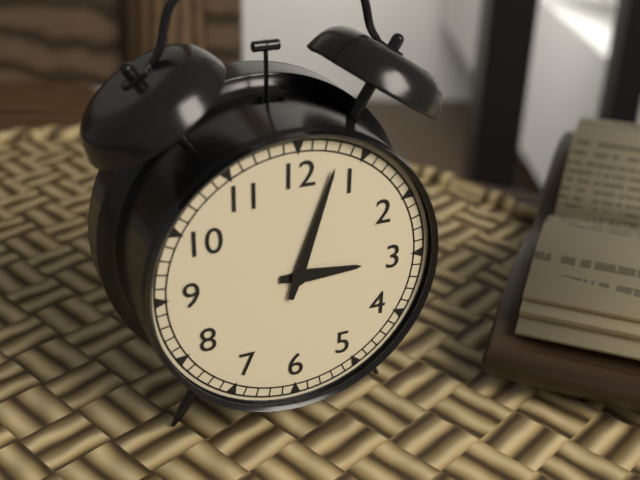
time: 3:03
